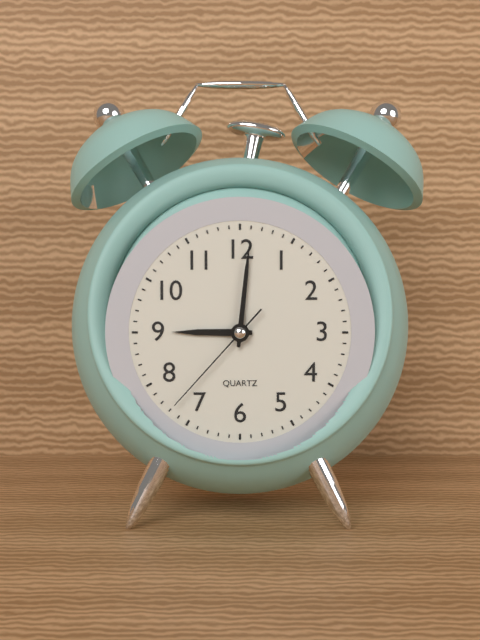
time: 9:01:37
